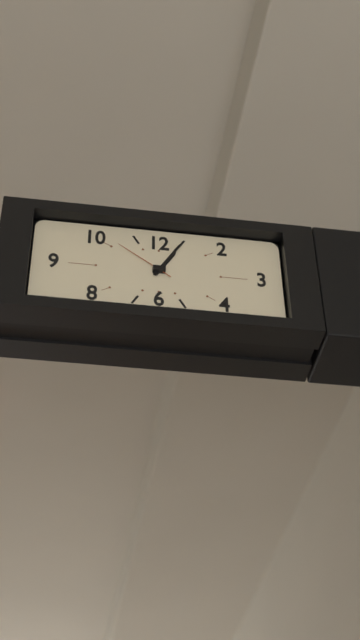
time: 1:05:51
